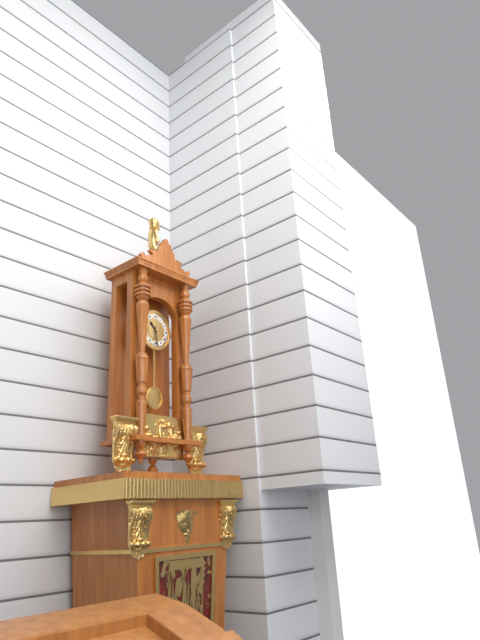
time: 10:29
